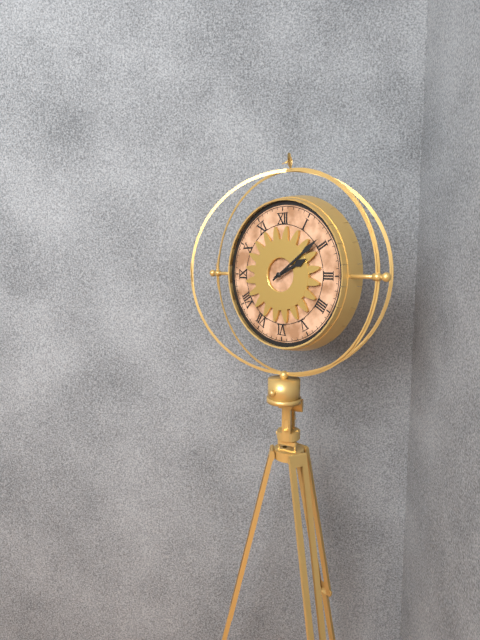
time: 2:09
